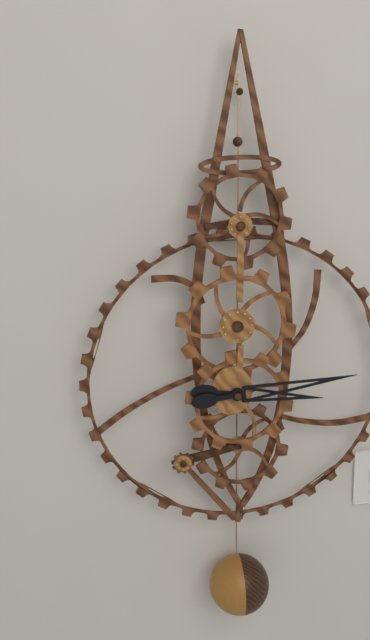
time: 3:14
